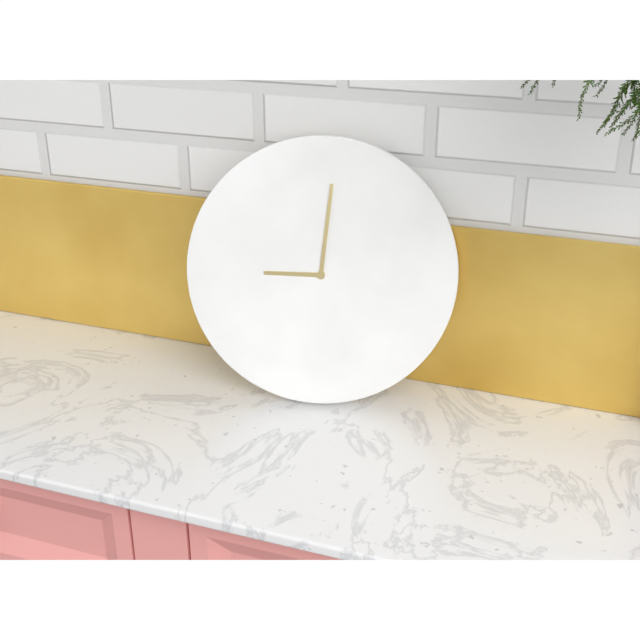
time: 9:01
